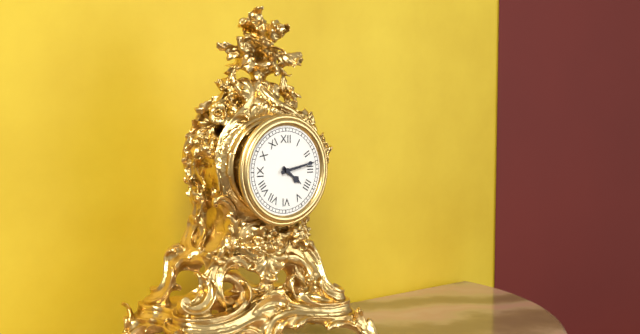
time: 4:13
